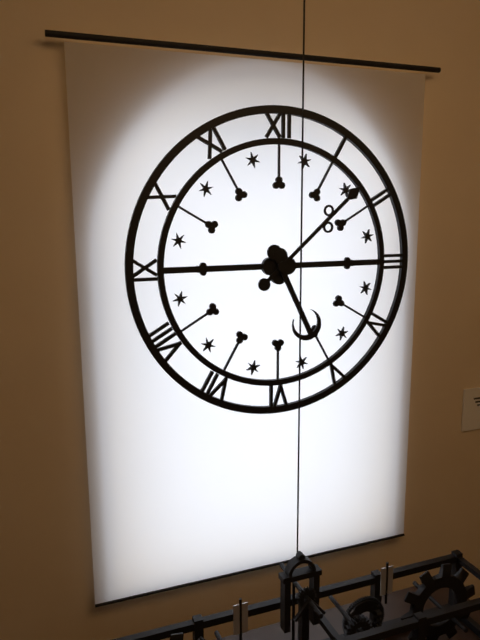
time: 5:08
